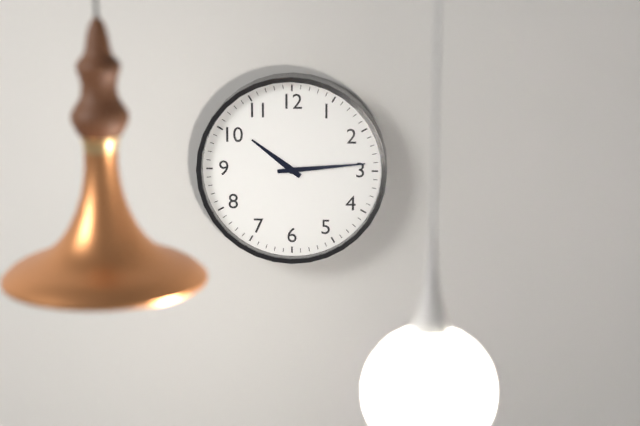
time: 10:14
